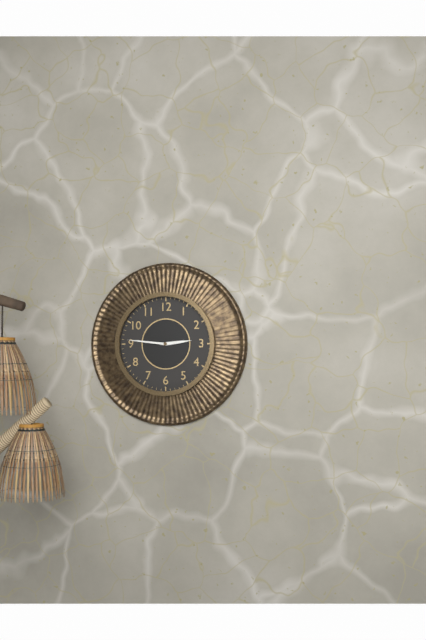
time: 2:46
